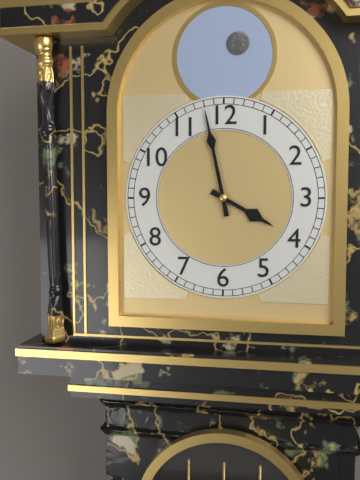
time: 3:58
